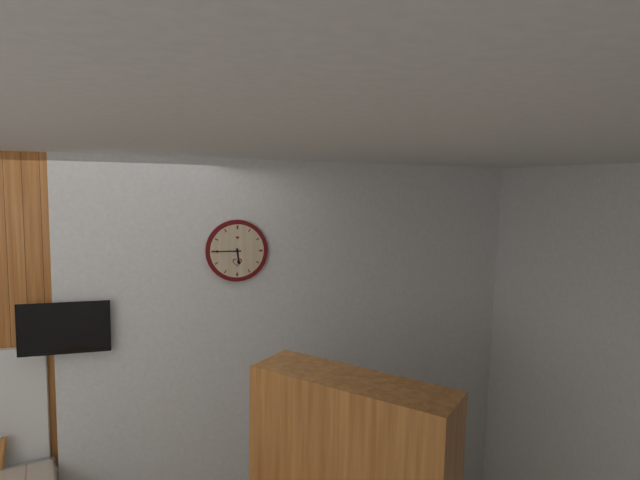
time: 5:45
